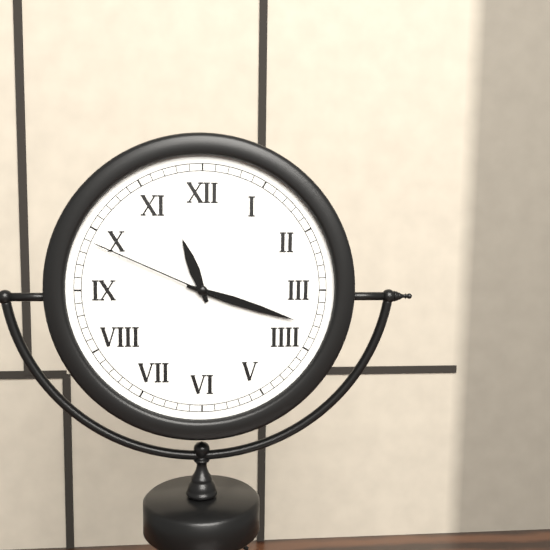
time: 11:18:49
